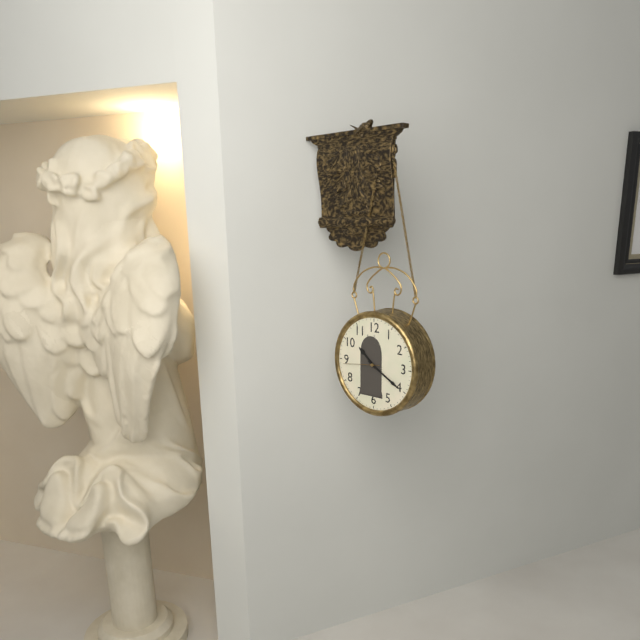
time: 10:20
